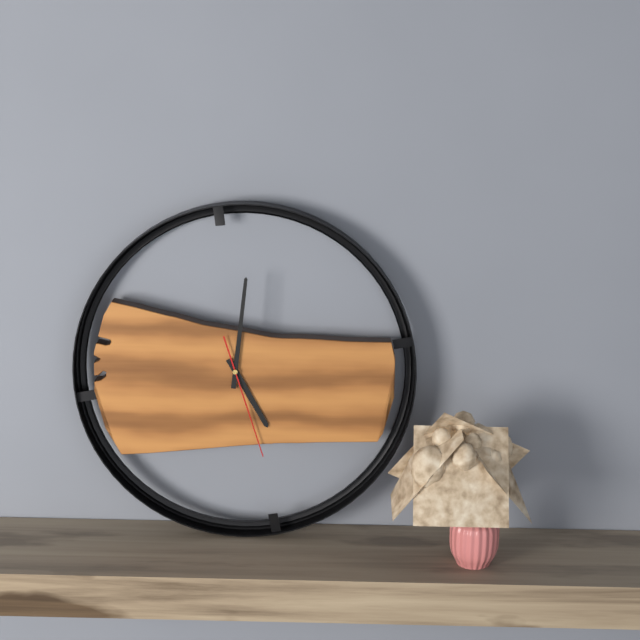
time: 5:01:27
